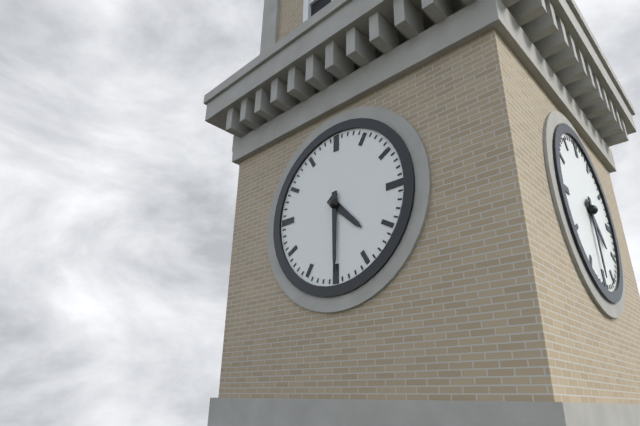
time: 4:30
